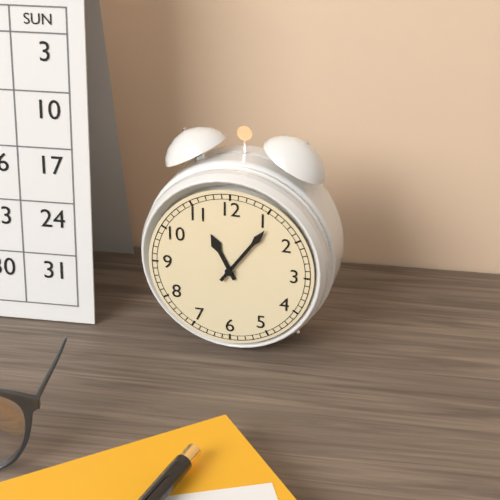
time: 11:06
